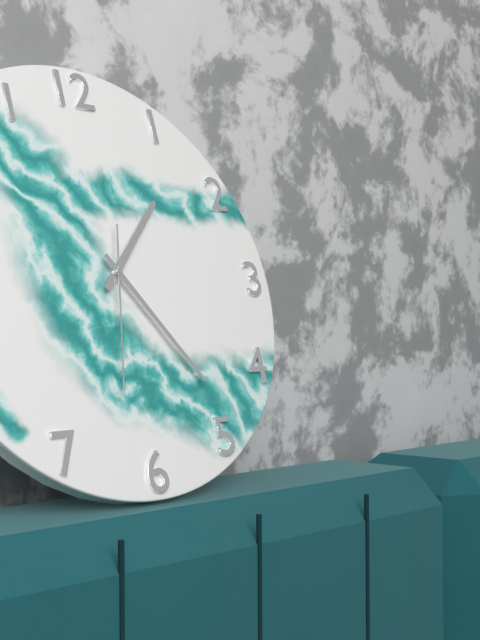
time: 1:24:32
